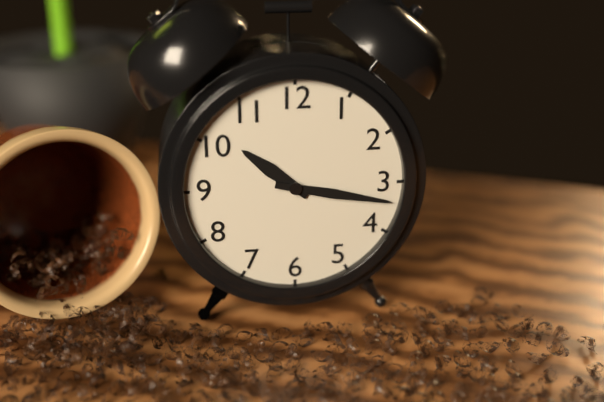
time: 10:17
